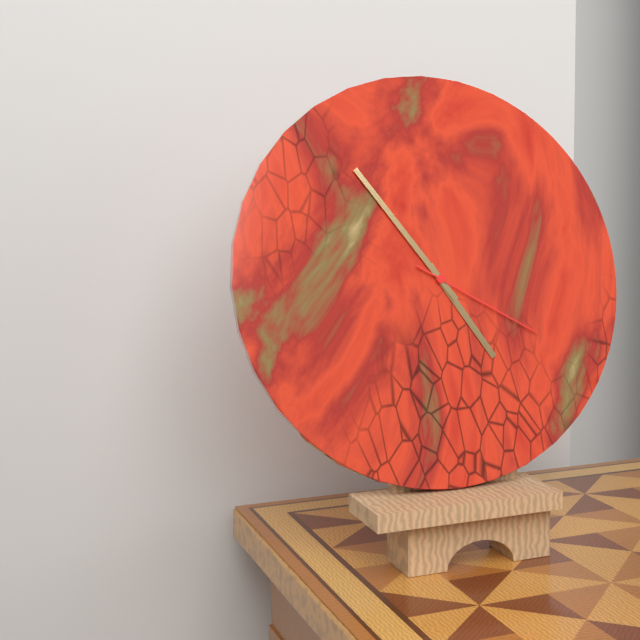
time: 4:54:20
